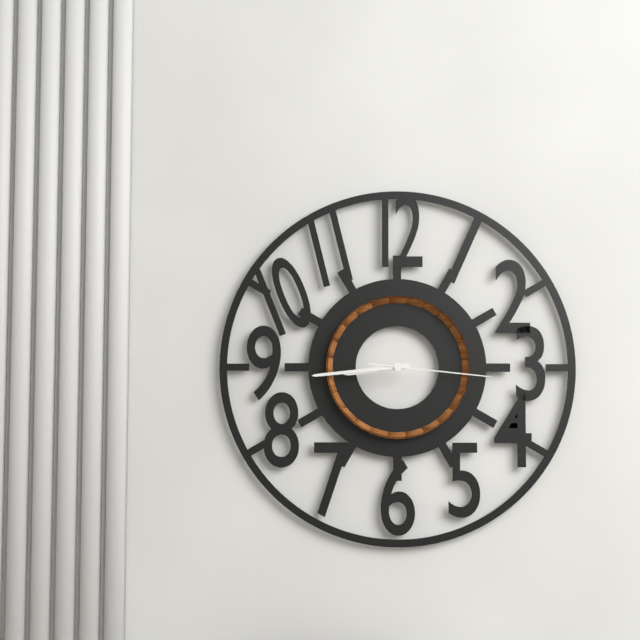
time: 8:44:16
